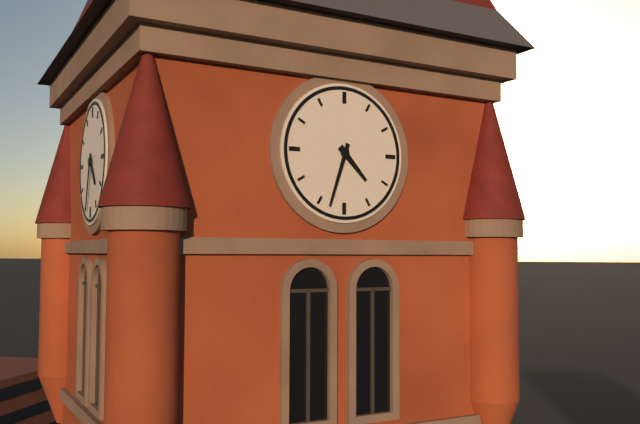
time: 4:33
